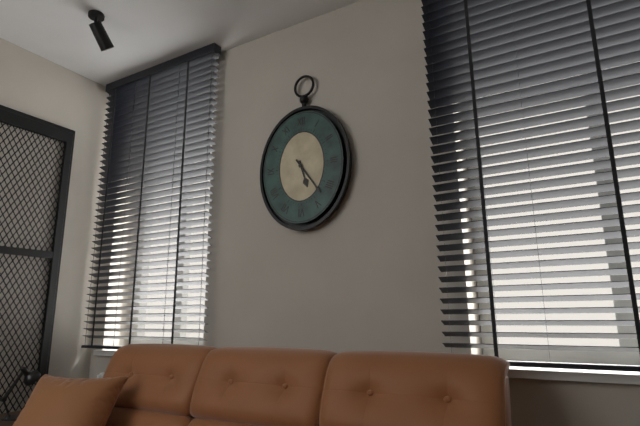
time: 5:24
